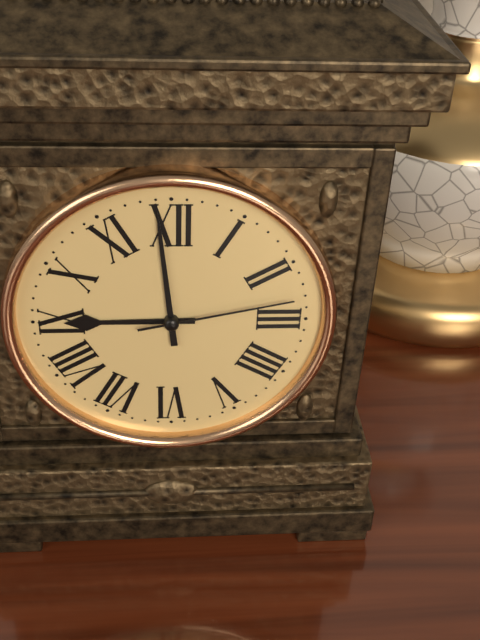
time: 8:59:13
